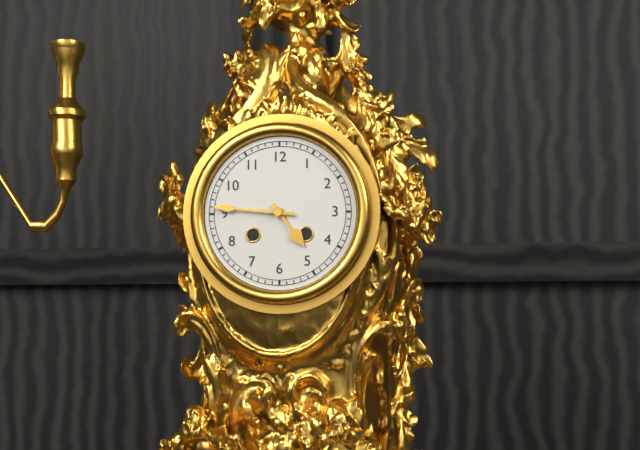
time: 4:46
